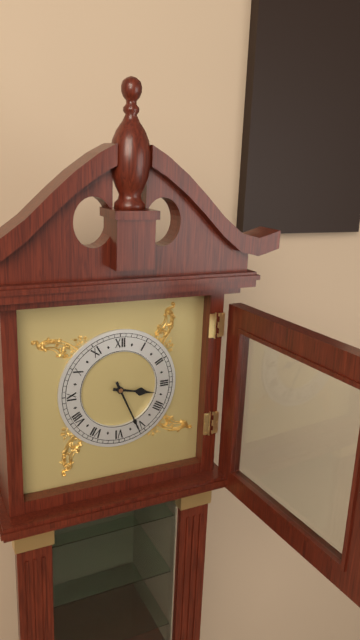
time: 3:26
